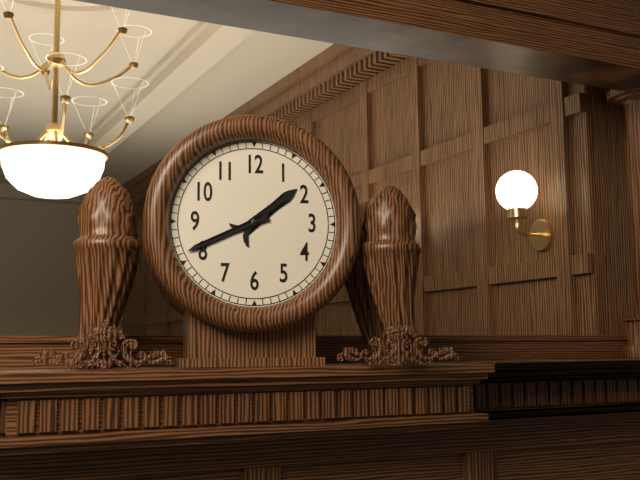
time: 1:41
